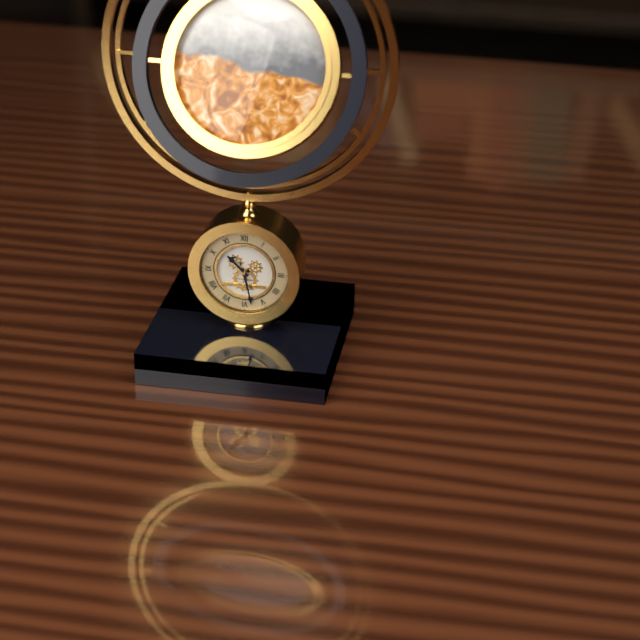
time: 10:28
